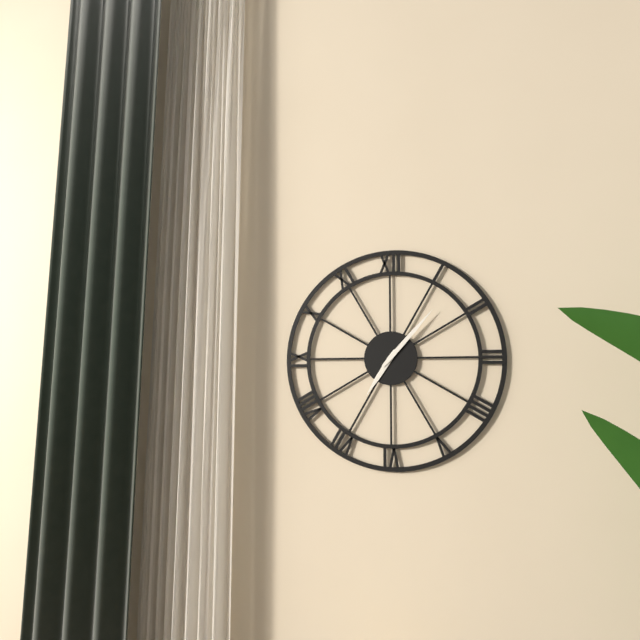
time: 7:07
